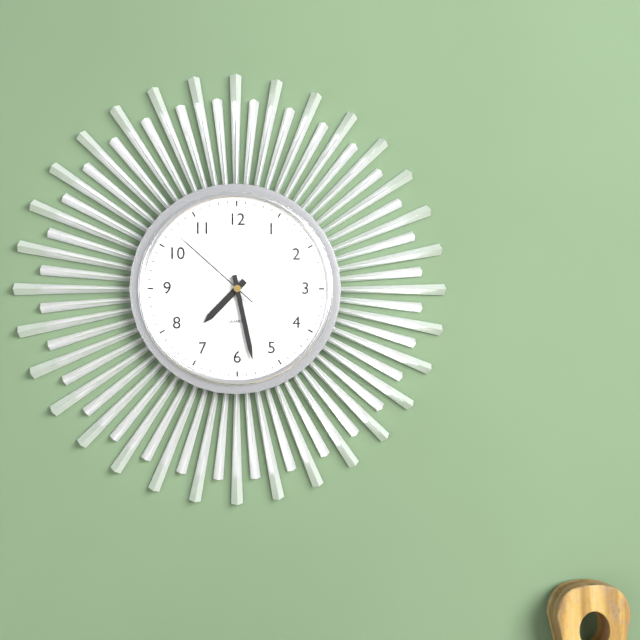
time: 7:28:52
